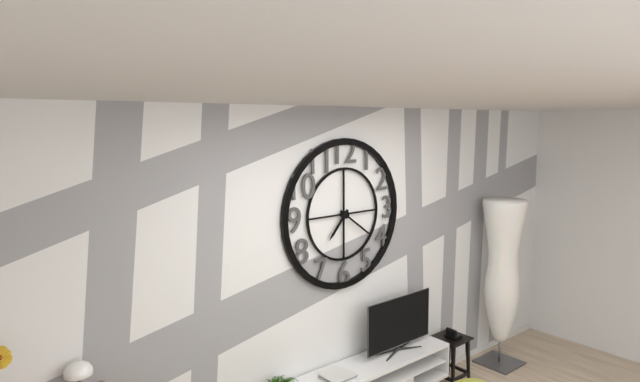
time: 7:21
